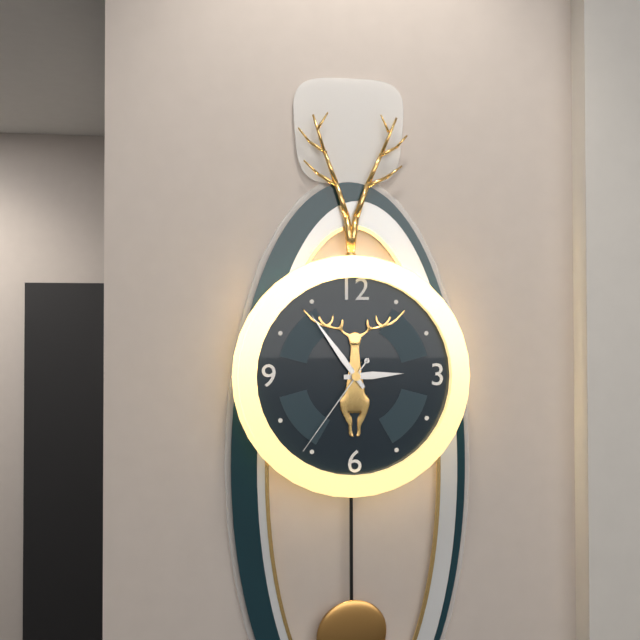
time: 2:54:36
